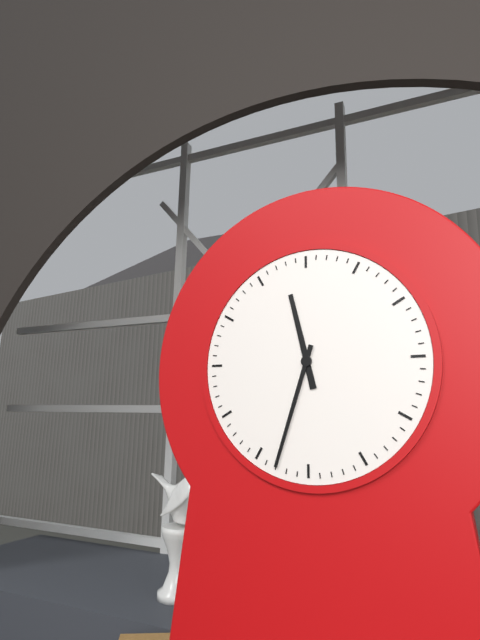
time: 11:33
